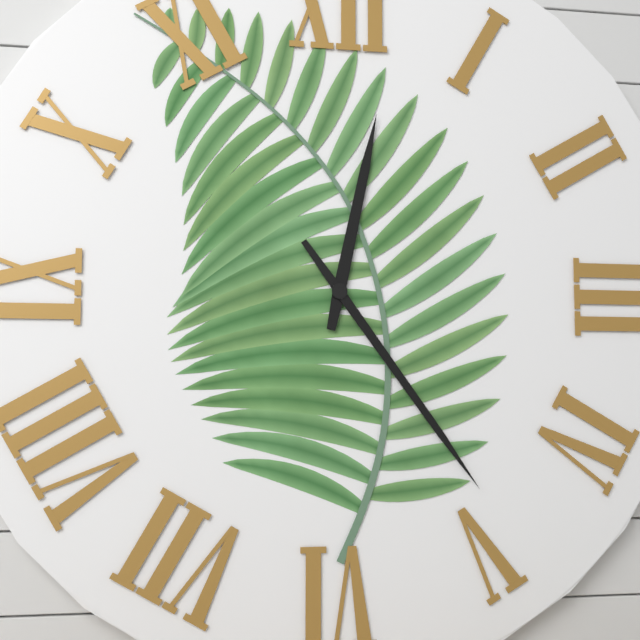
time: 12:24
